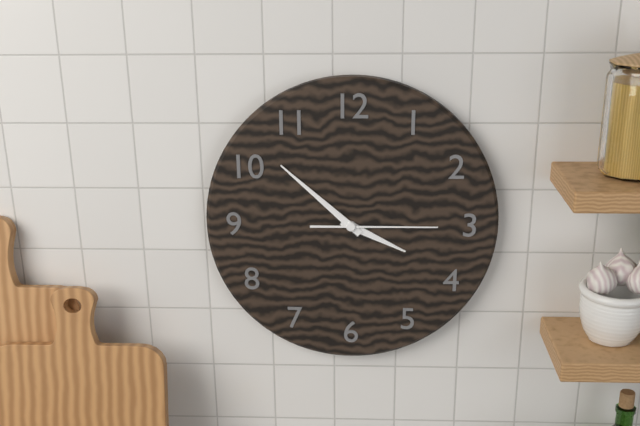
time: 3:52:15
